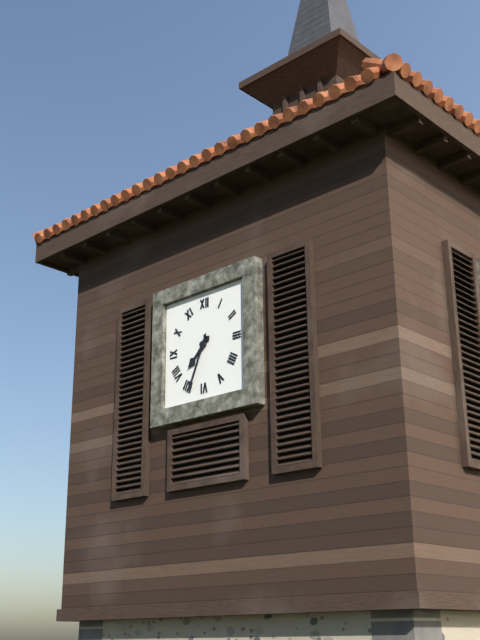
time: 7:34
